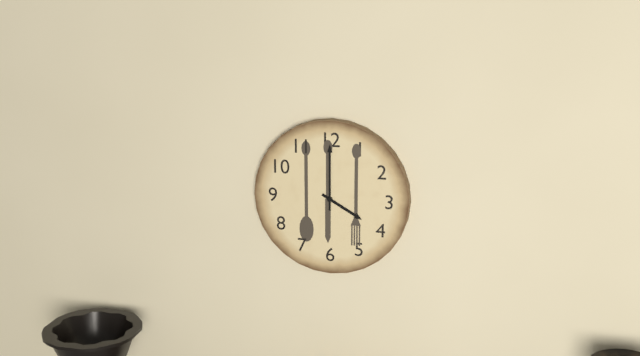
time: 4:00
